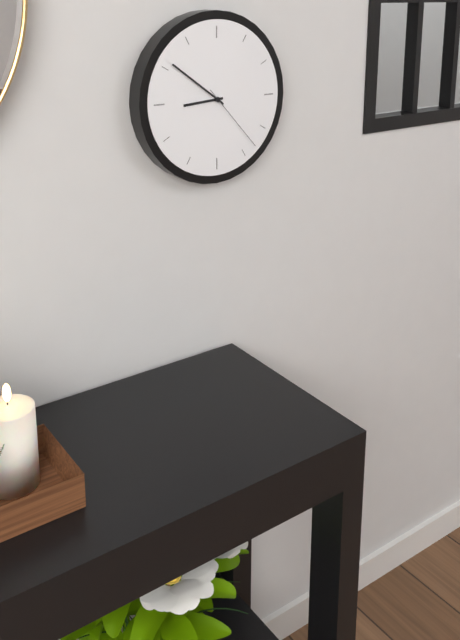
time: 8:51:23
